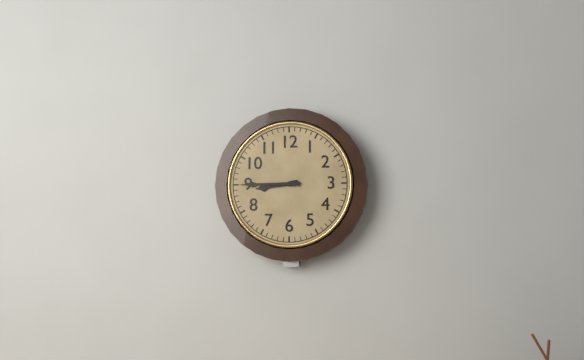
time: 8:45
